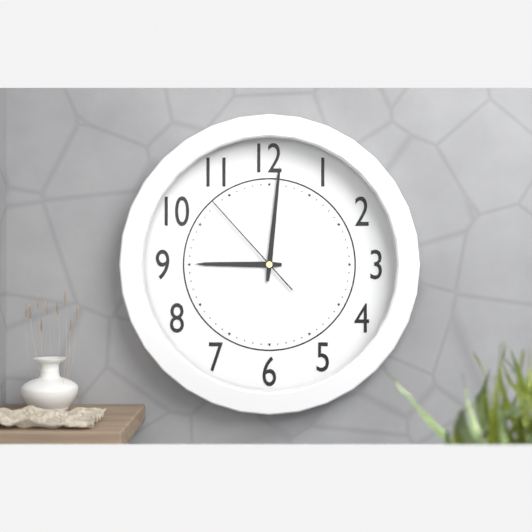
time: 9:01:53
